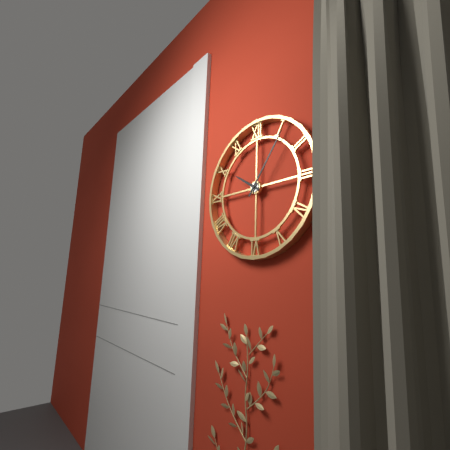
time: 10:06
